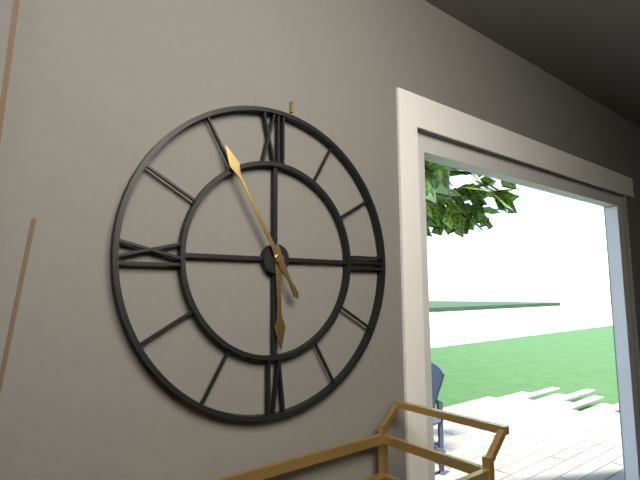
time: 5:55
